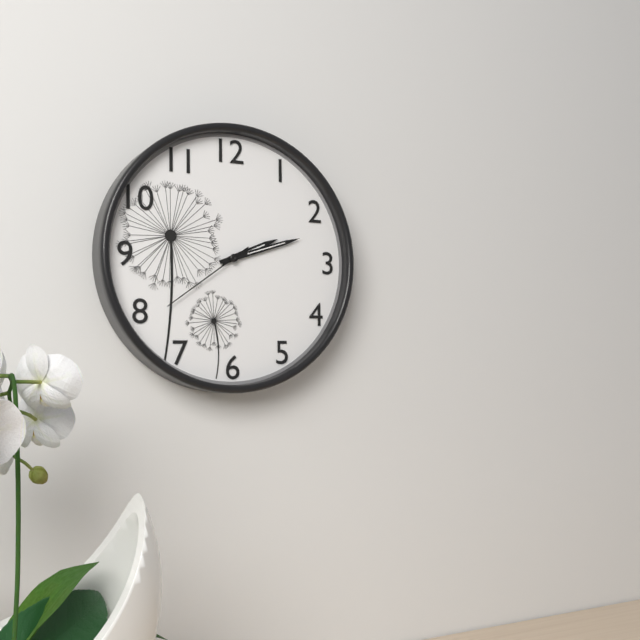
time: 2:12:39
